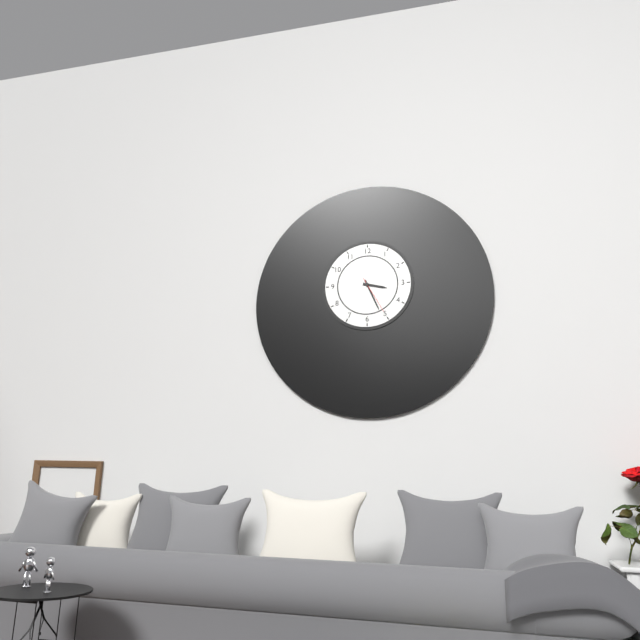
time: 3:26
